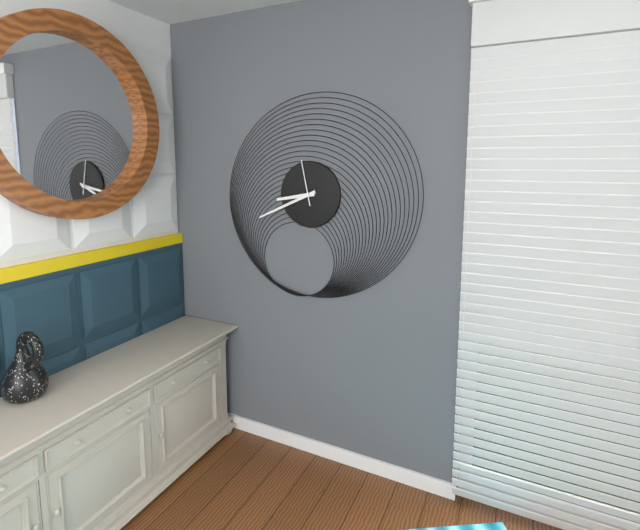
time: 8:41
